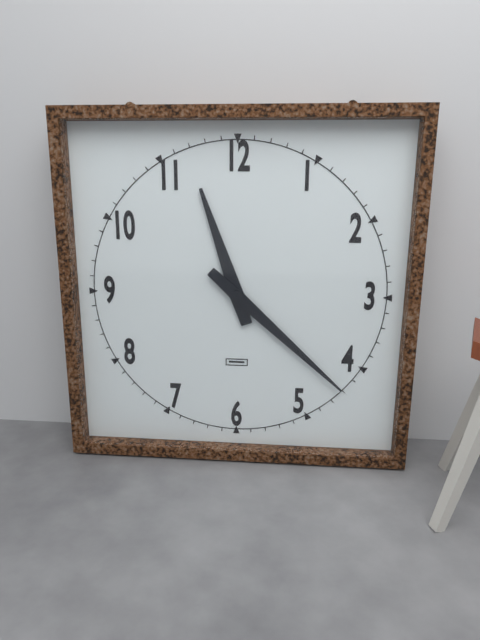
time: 11:22
